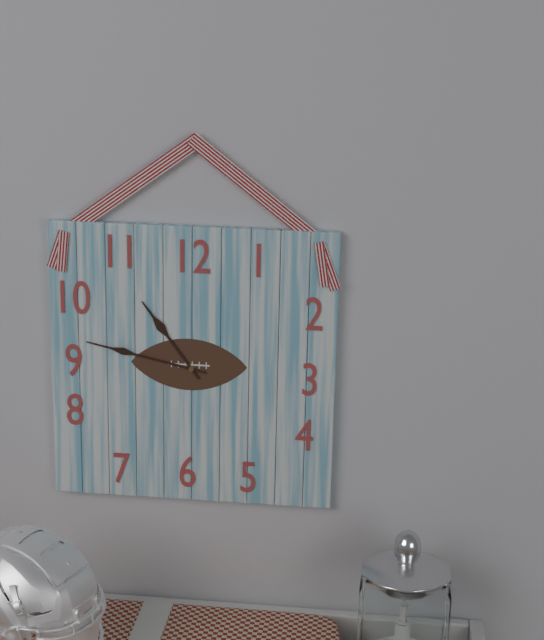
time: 10:47
